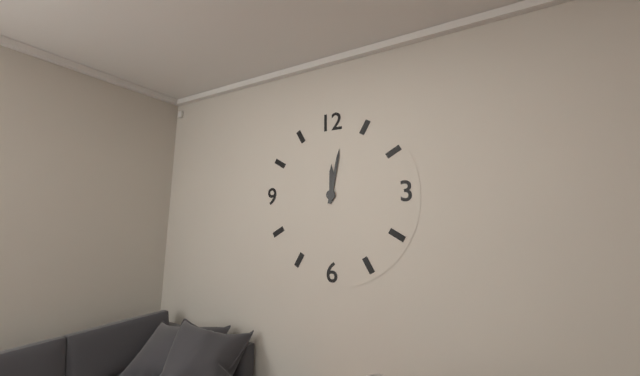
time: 12:02
